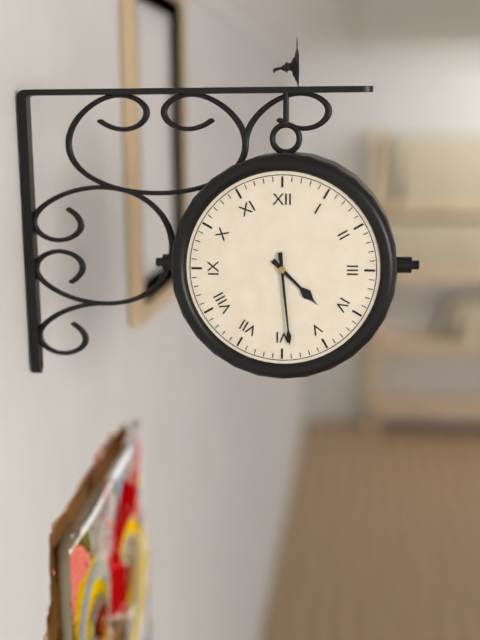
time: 4:29
